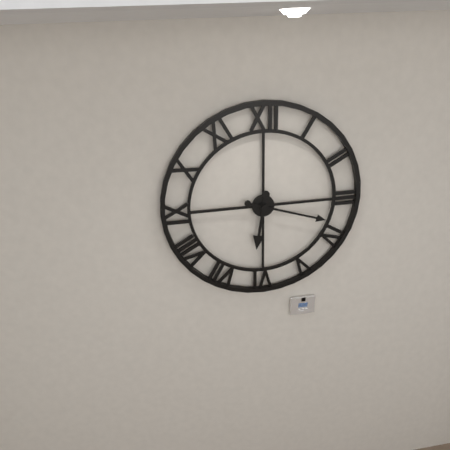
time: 6:18
